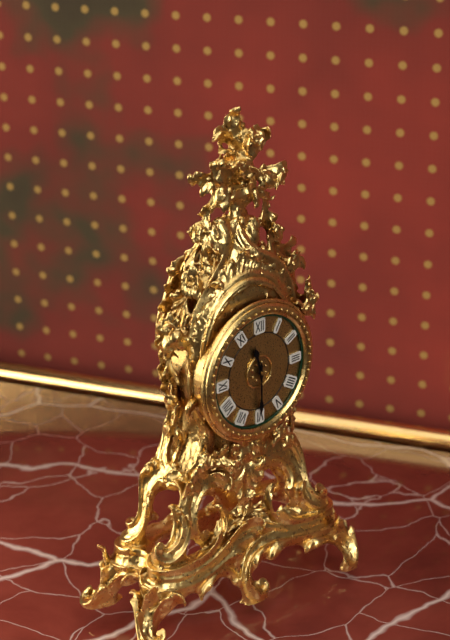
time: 11:30
